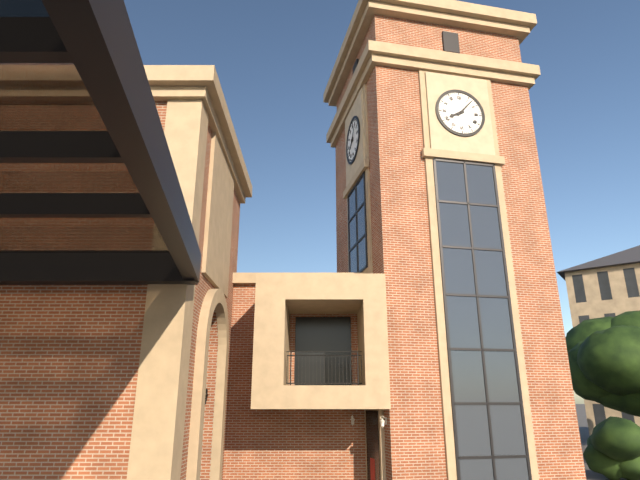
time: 8:07
